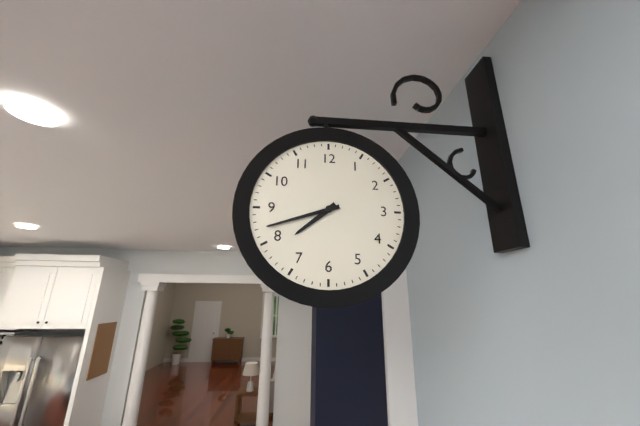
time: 7:42
